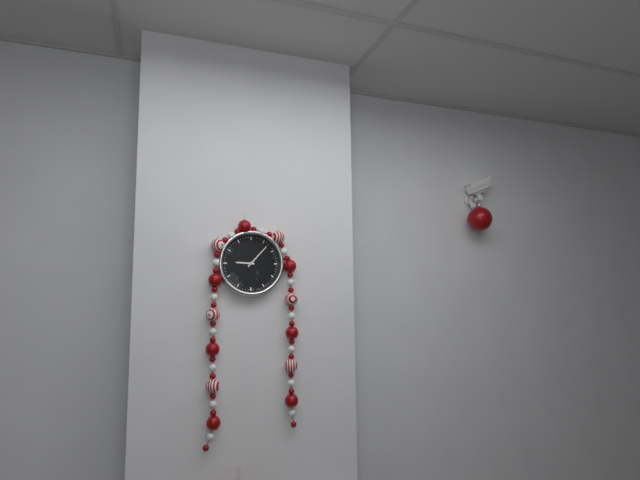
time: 9:07
